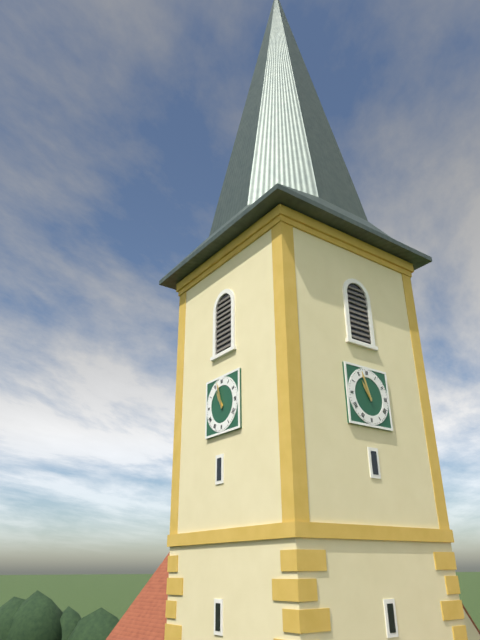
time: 10:57
